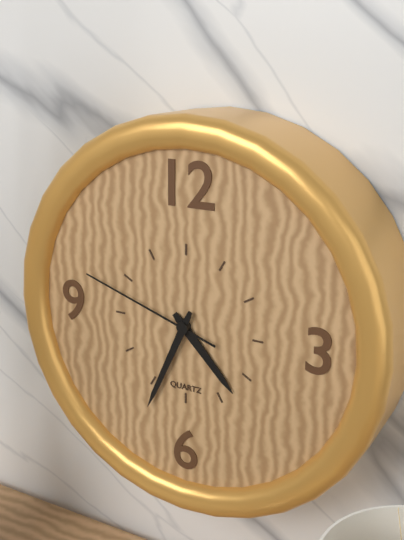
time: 4:34:48
